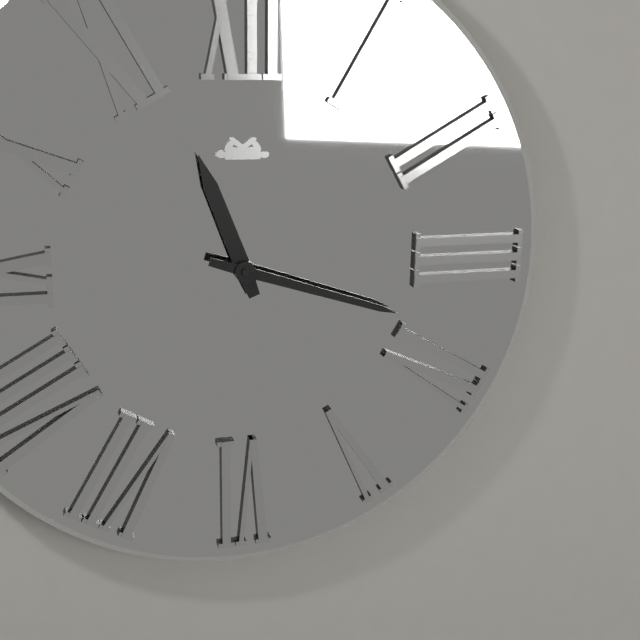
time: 11:18
